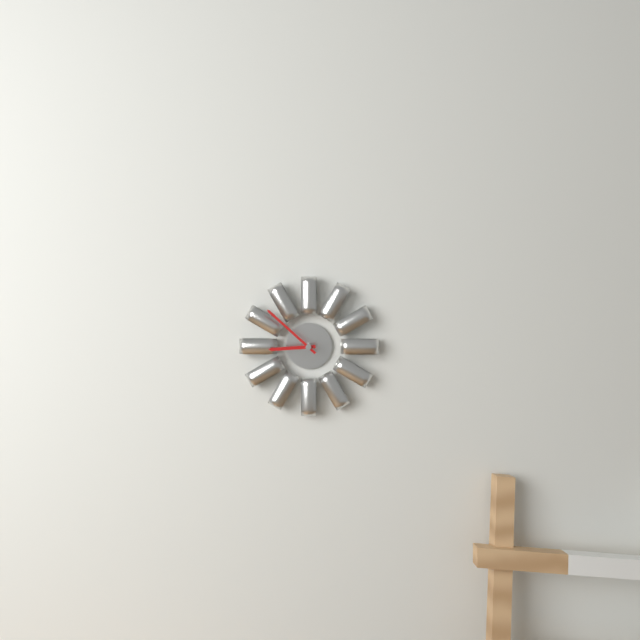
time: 8:52
